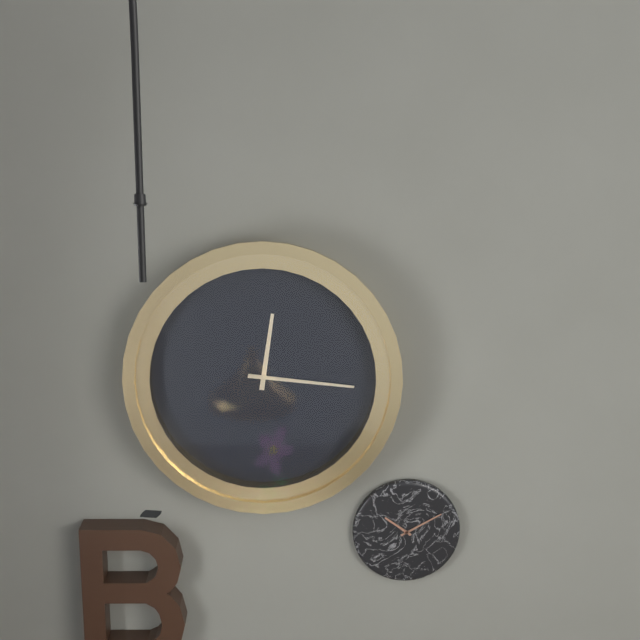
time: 12:16
